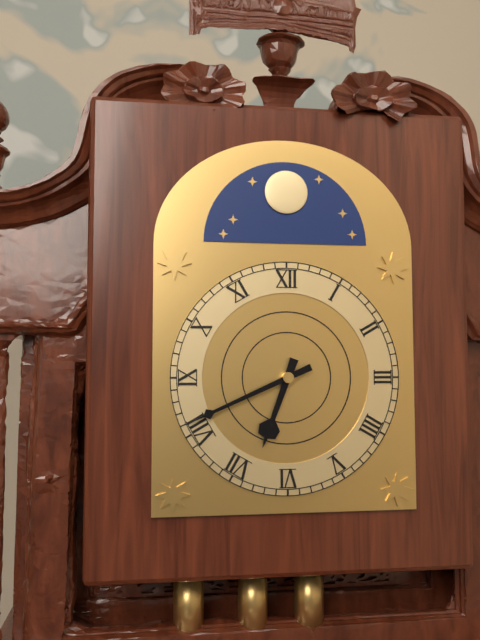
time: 6:41
